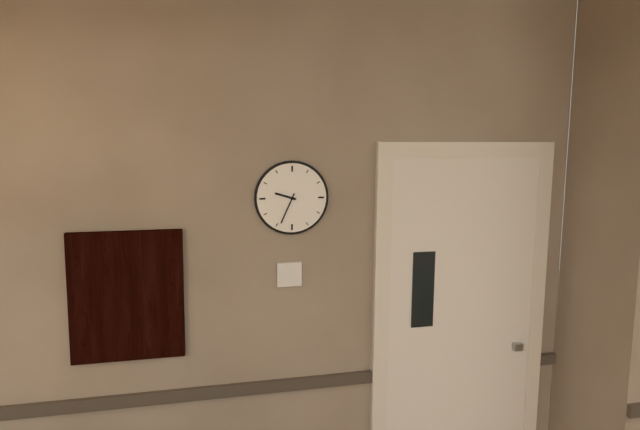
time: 9:34
